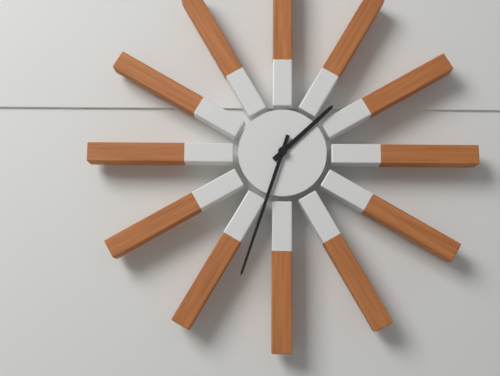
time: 1:33
